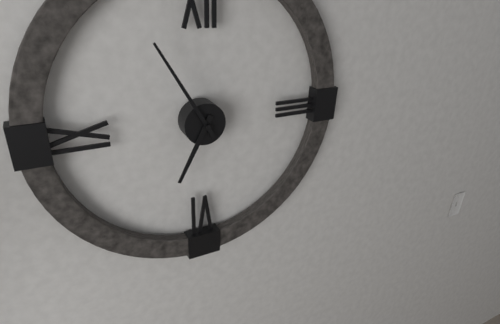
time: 6:55
